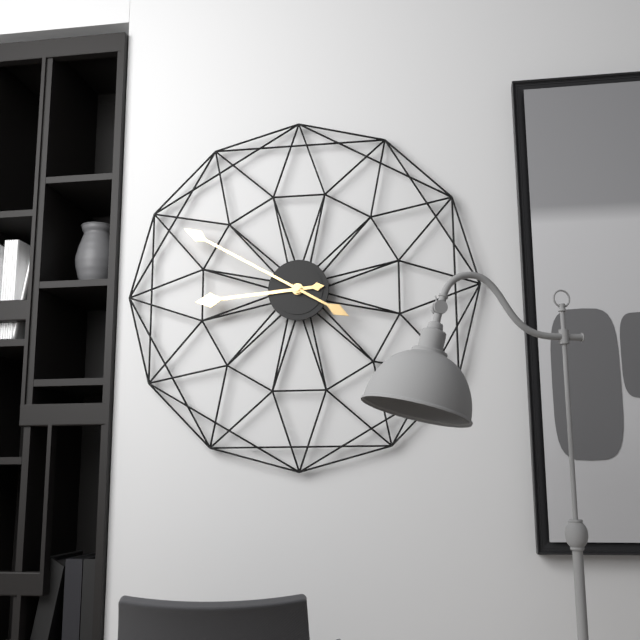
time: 8:50
